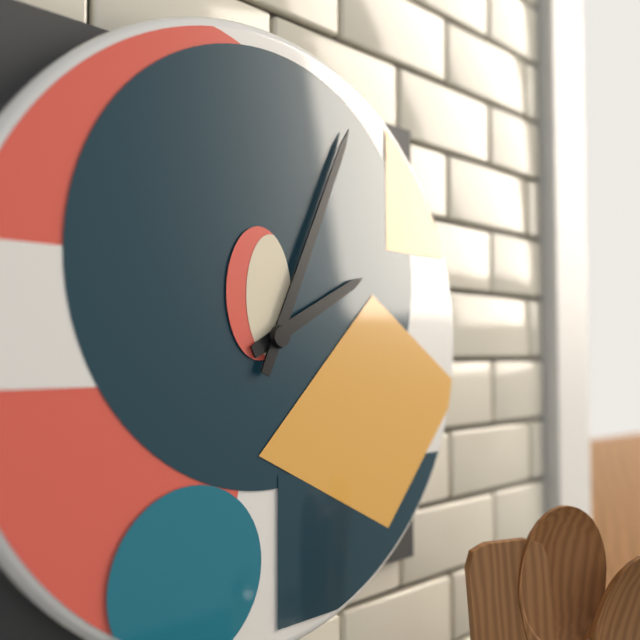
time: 2:04
